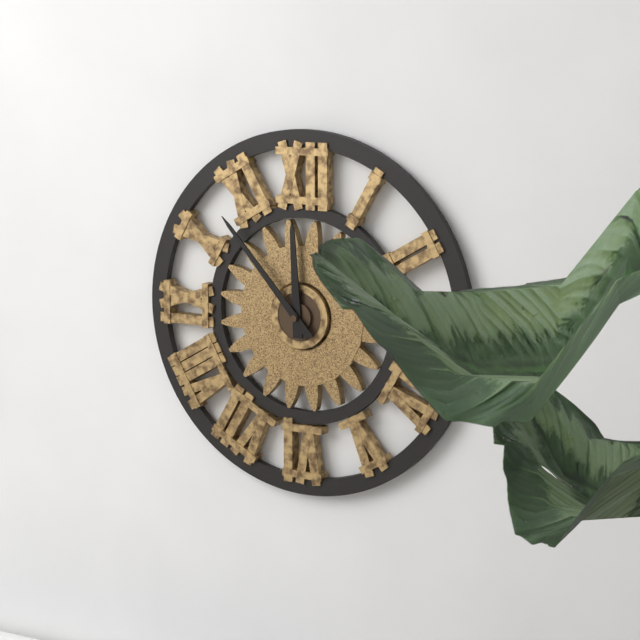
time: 11:53
